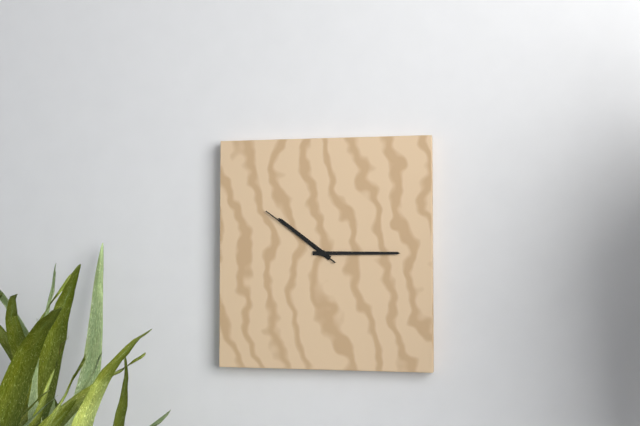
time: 10:15:51
